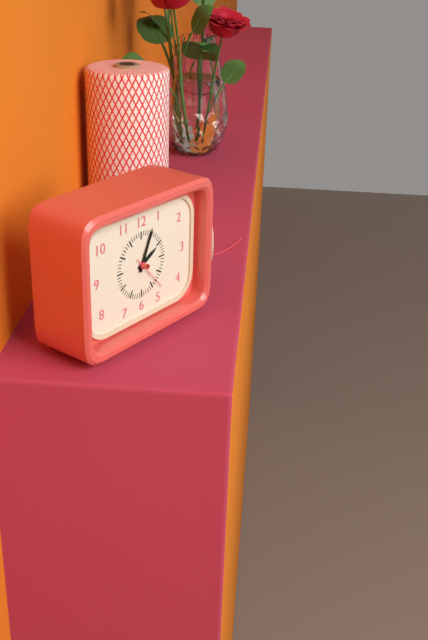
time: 2:04
